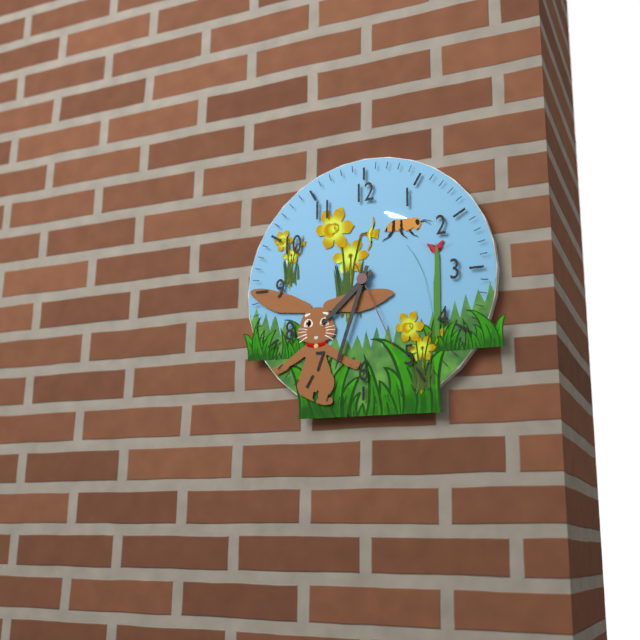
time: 7:33:26
